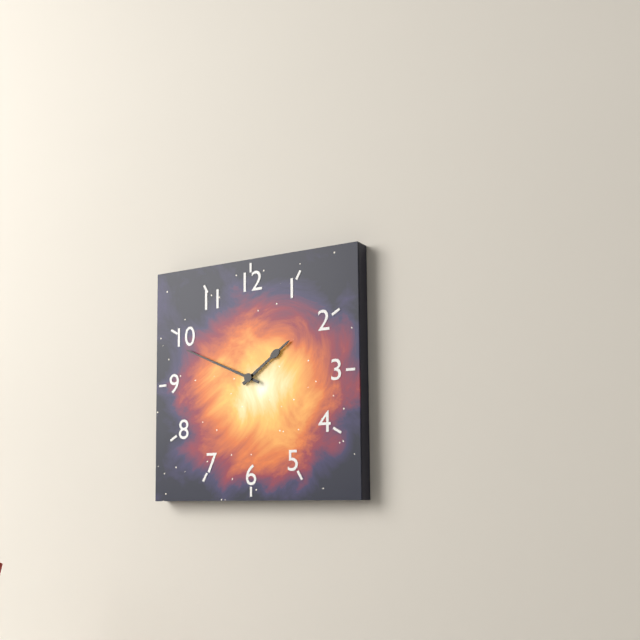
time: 1:49
